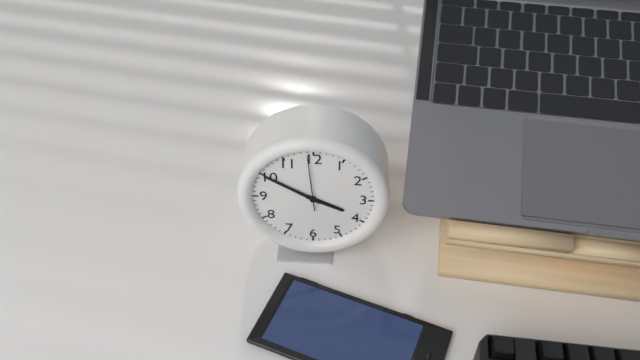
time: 3:50:59
